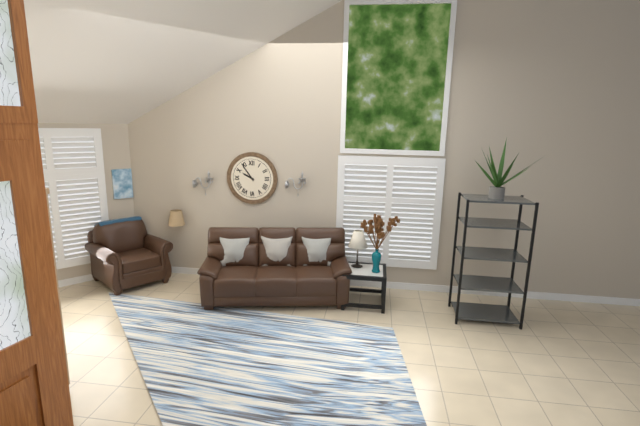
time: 9:54
